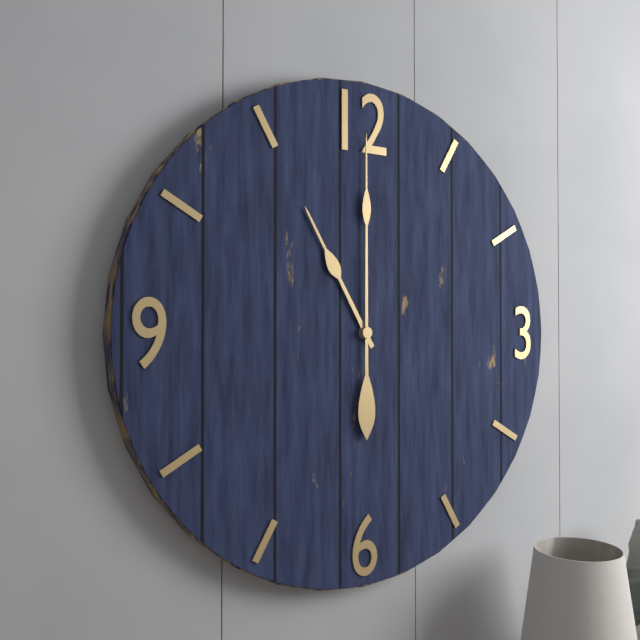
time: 11:00
